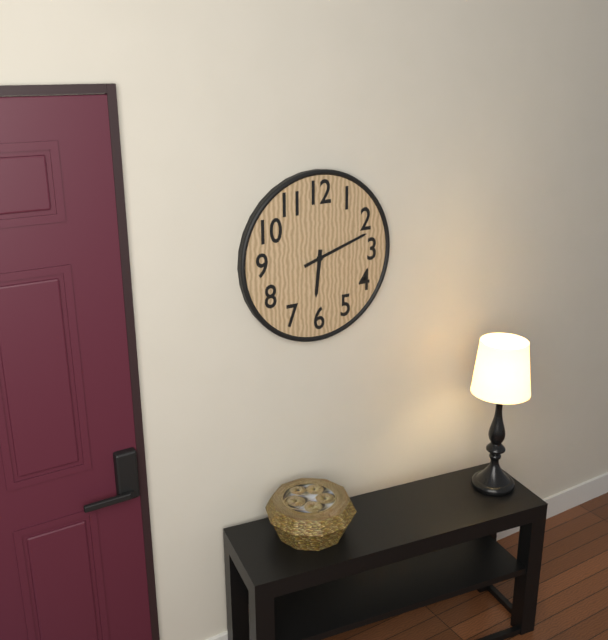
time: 6:12
